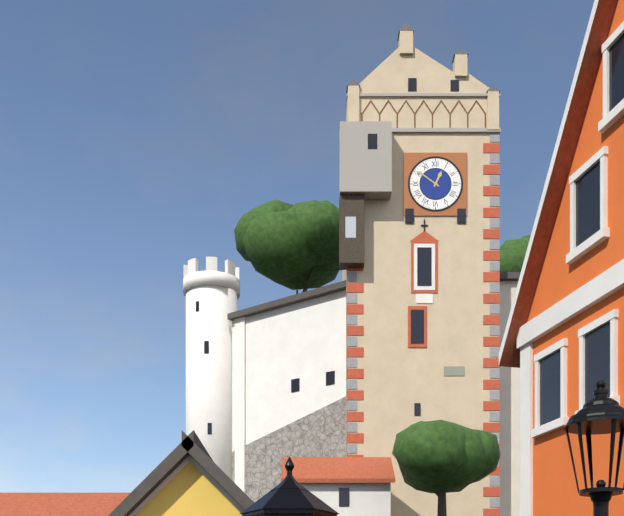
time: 12:51
